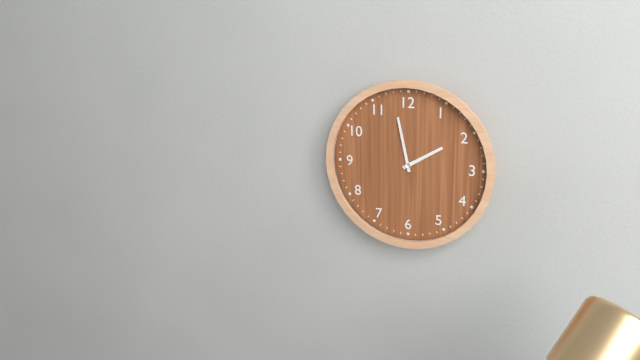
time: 1:58
